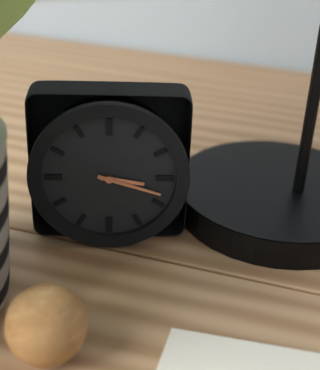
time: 3:18
